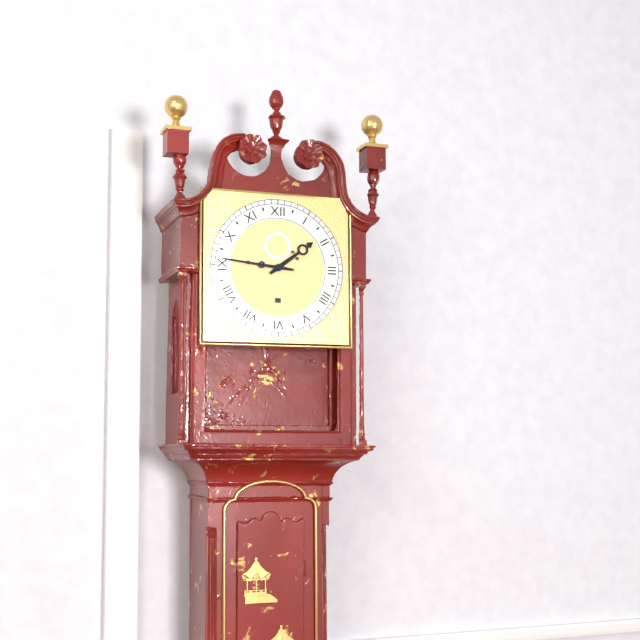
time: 1:46
